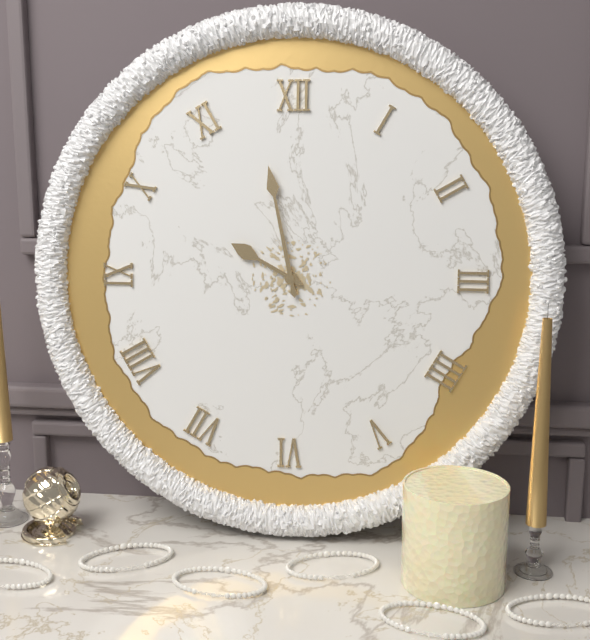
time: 9:58
